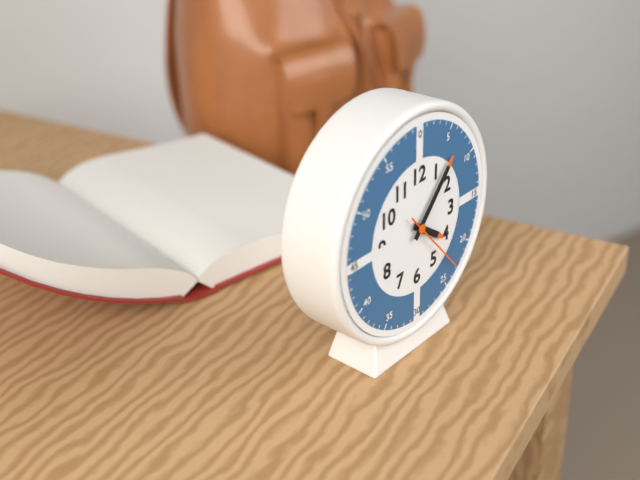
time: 4:07:23
